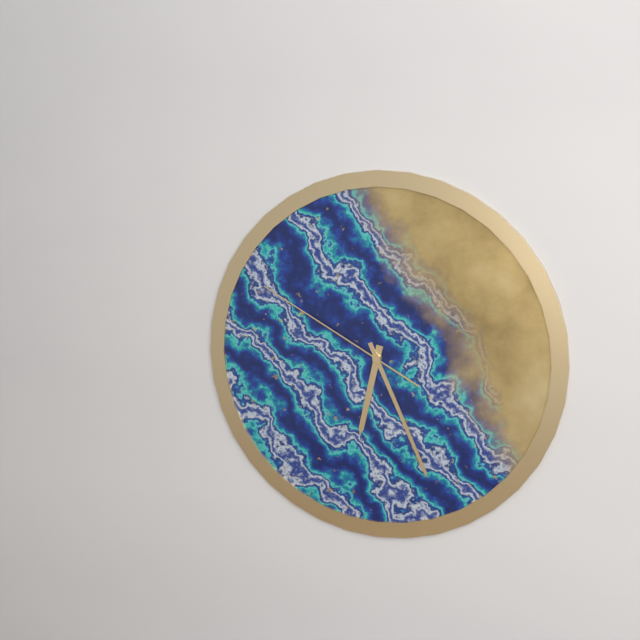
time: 6:26:50
